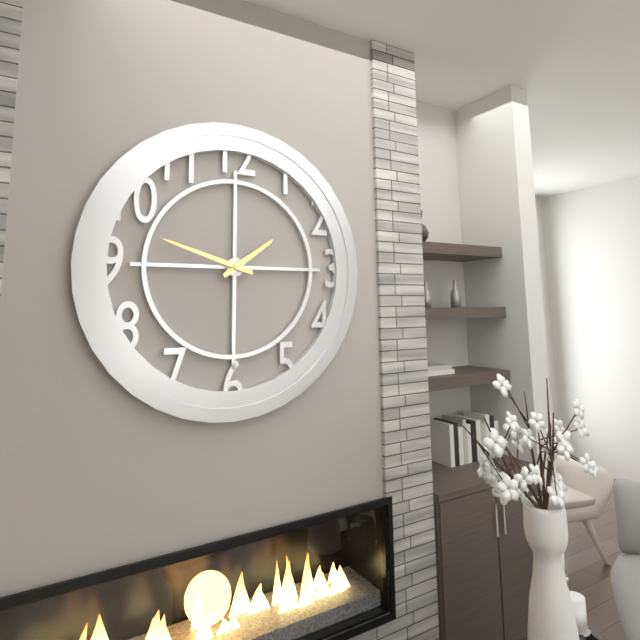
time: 1:48
